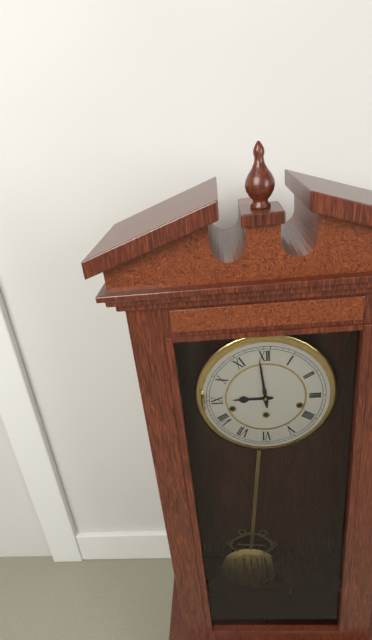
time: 8:59
